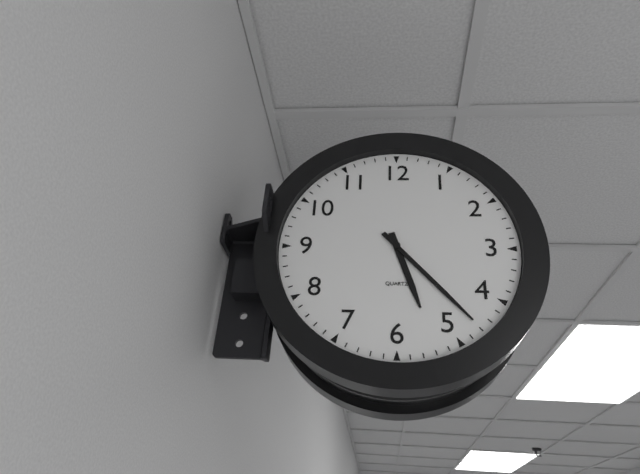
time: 5:23
